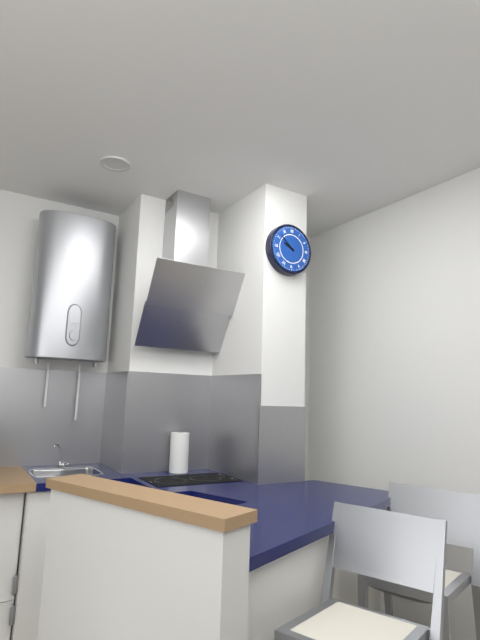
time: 9:52
